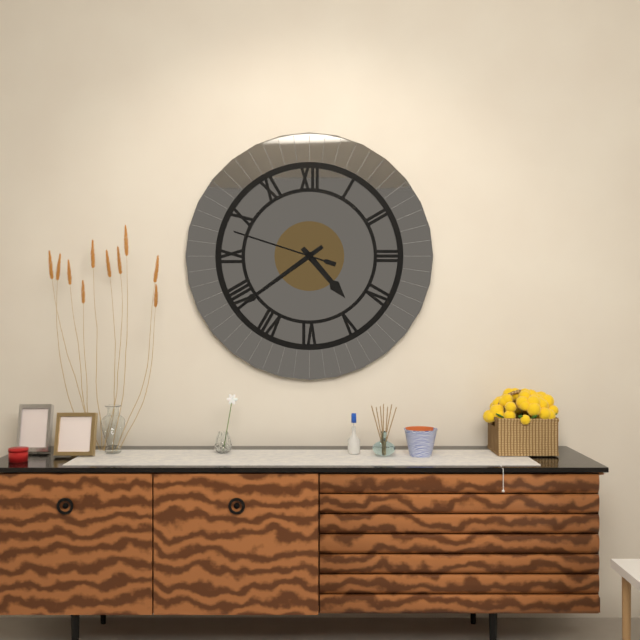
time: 4:39:48
